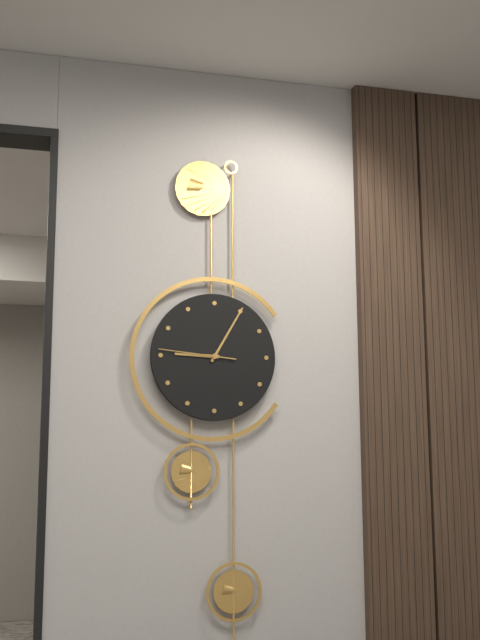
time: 9:05:46
